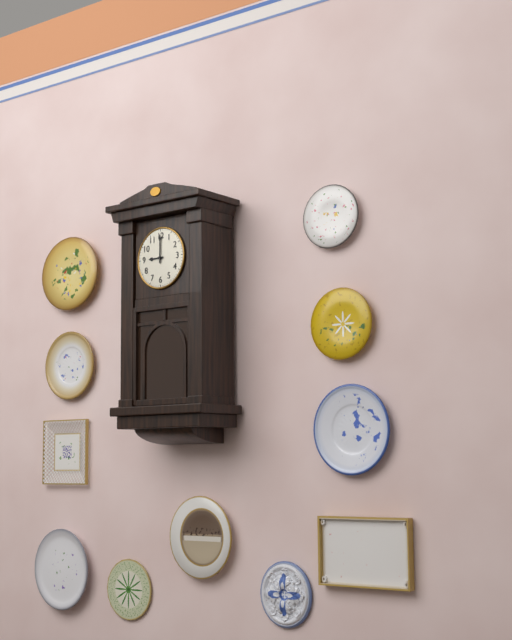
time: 9:00
